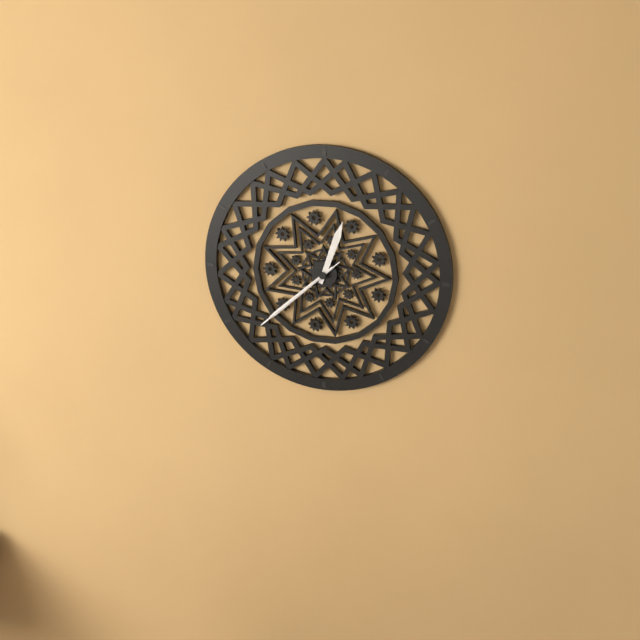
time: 12:38:38
